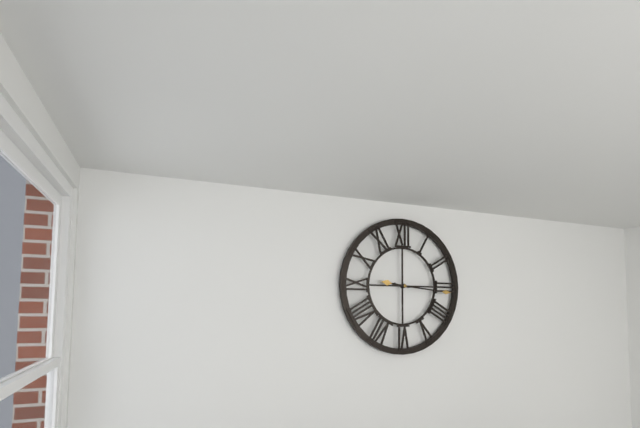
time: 9:16
